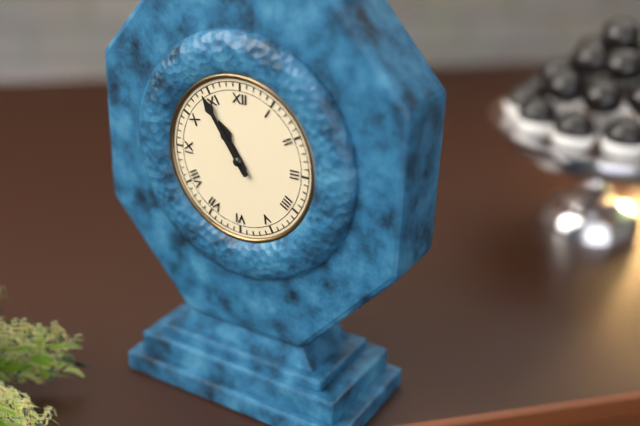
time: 10:54
